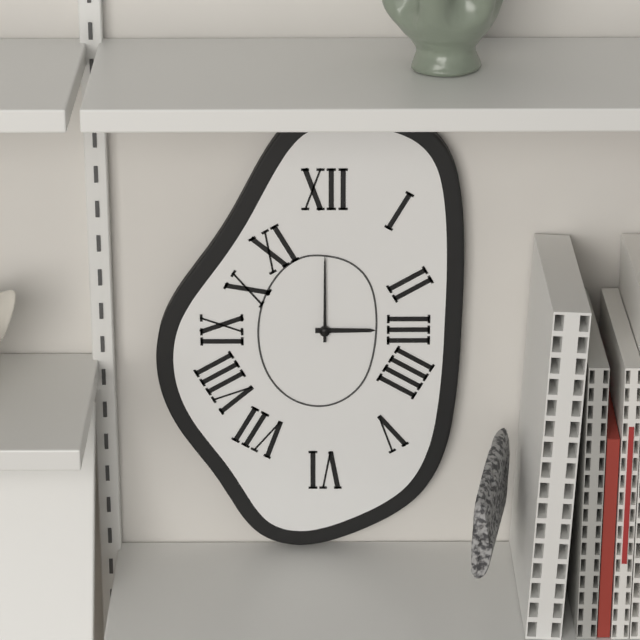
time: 3:00
